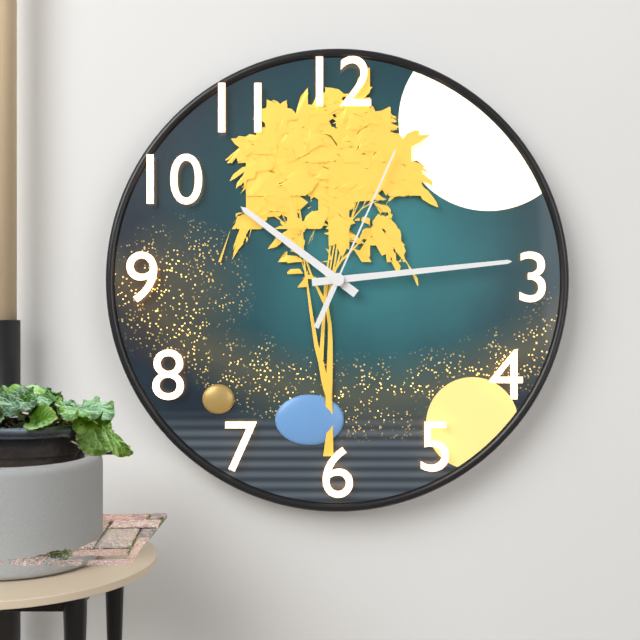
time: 10:14:04
